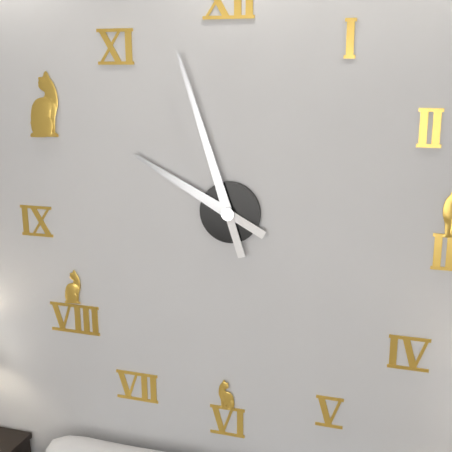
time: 9:57
